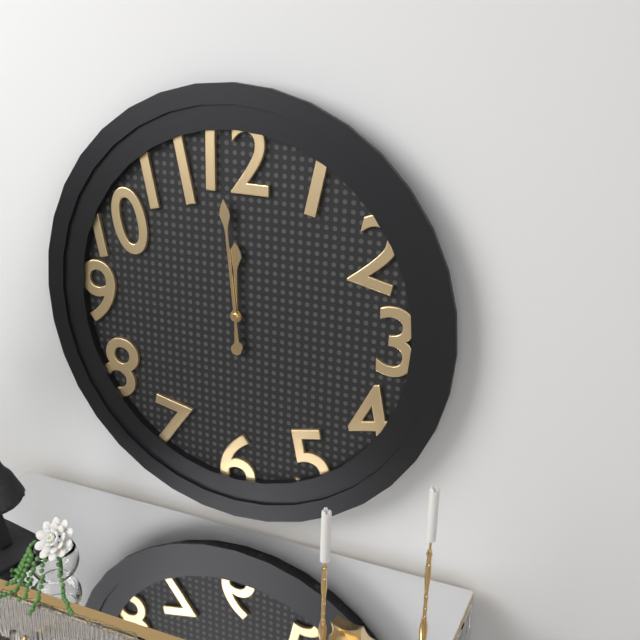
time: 11:59
